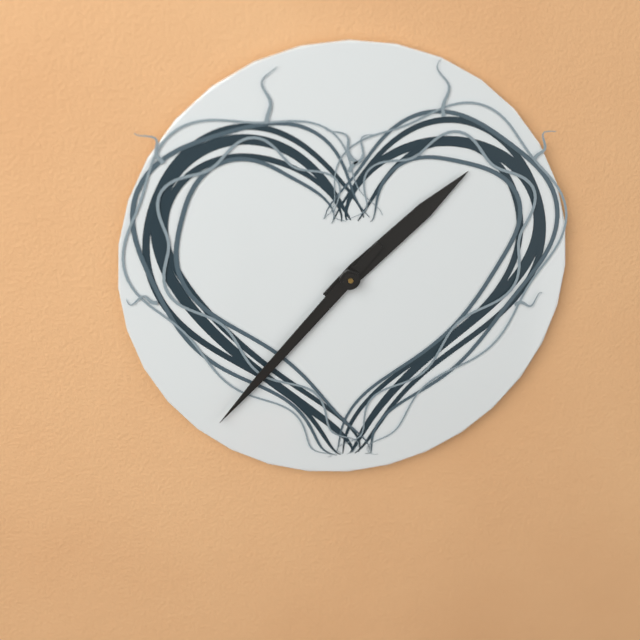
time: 1:37
